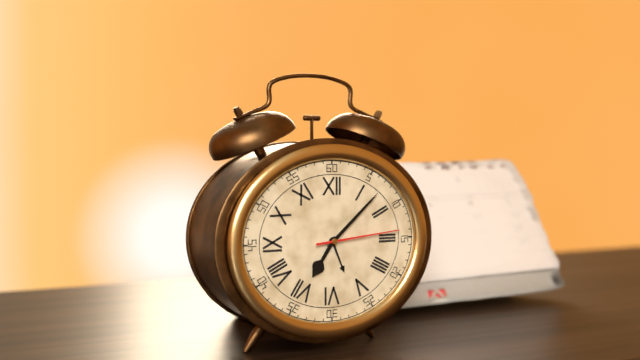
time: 7:08:14
